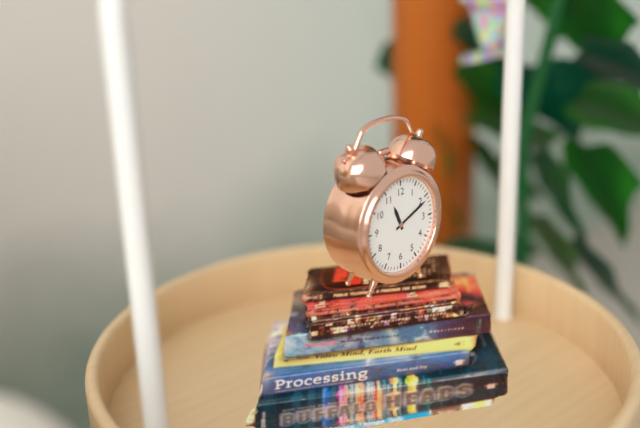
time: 11:11
